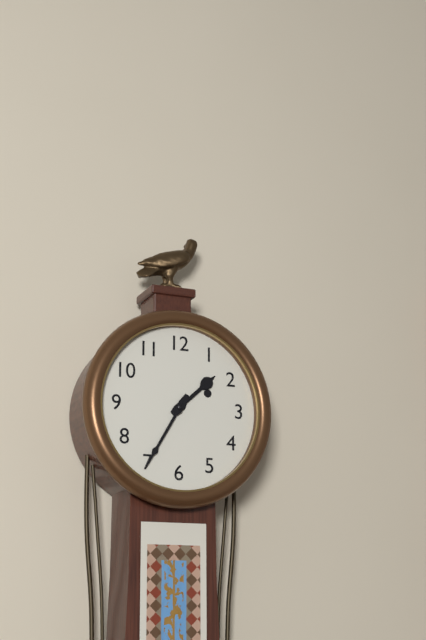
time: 1:35
